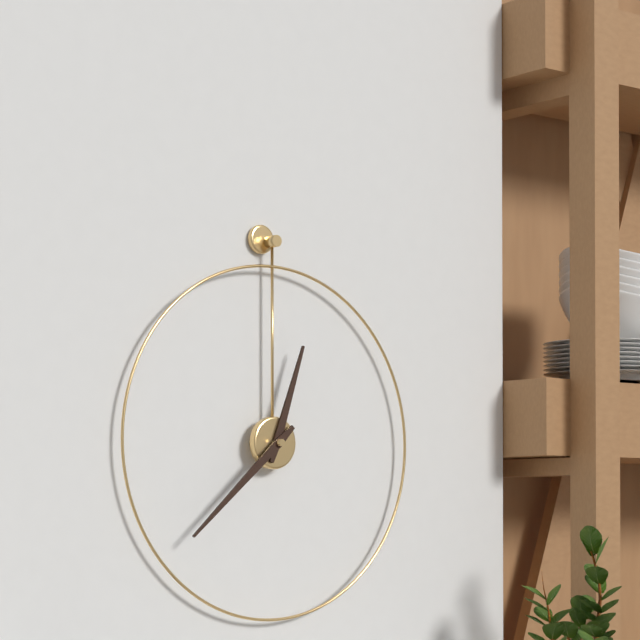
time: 12:38
